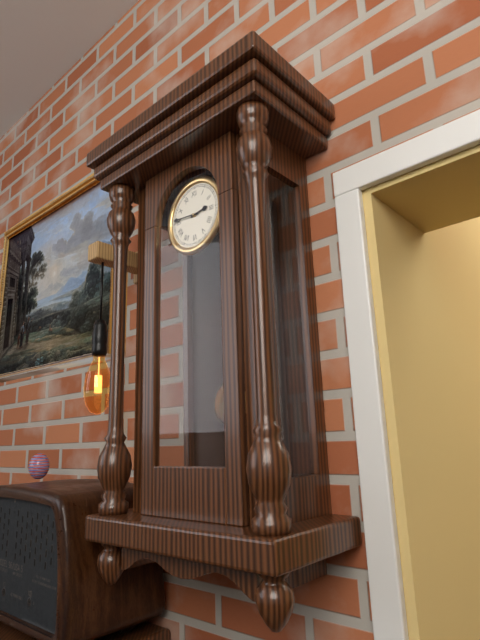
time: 2:46
